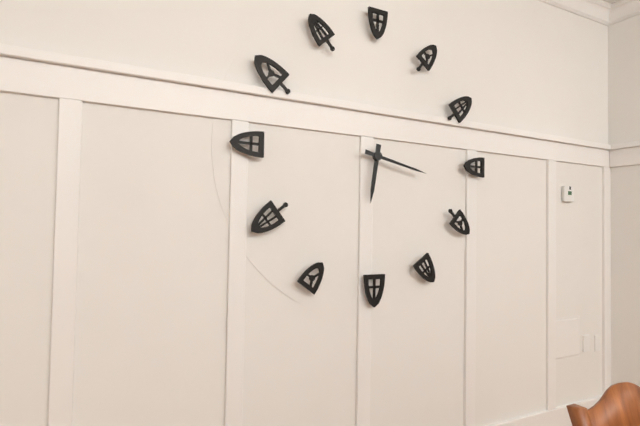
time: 6:17
